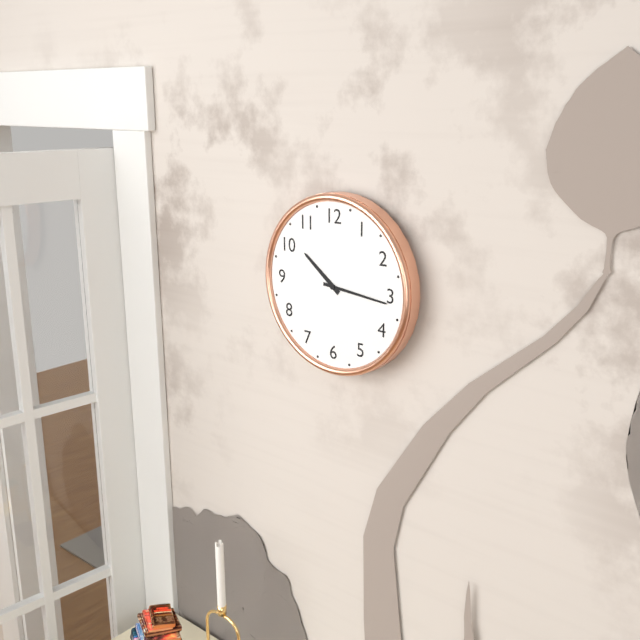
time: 10:16
